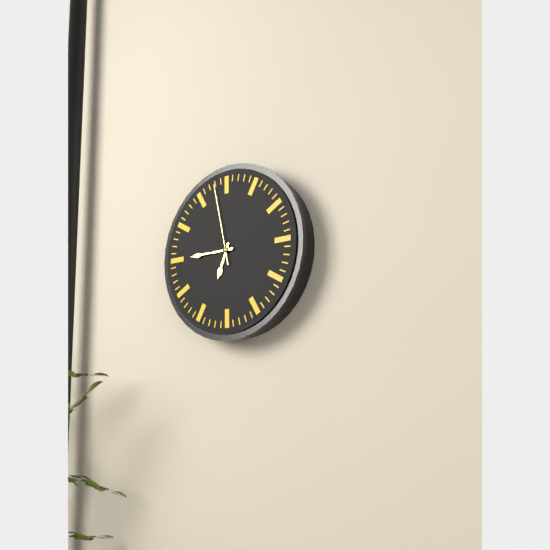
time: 6:45:58
